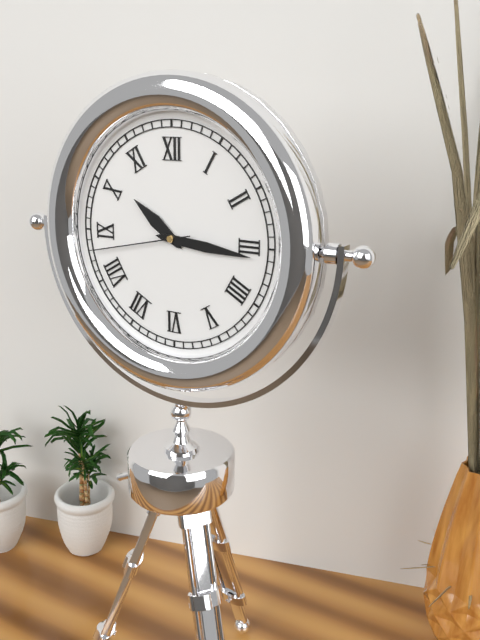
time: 10:16:43
